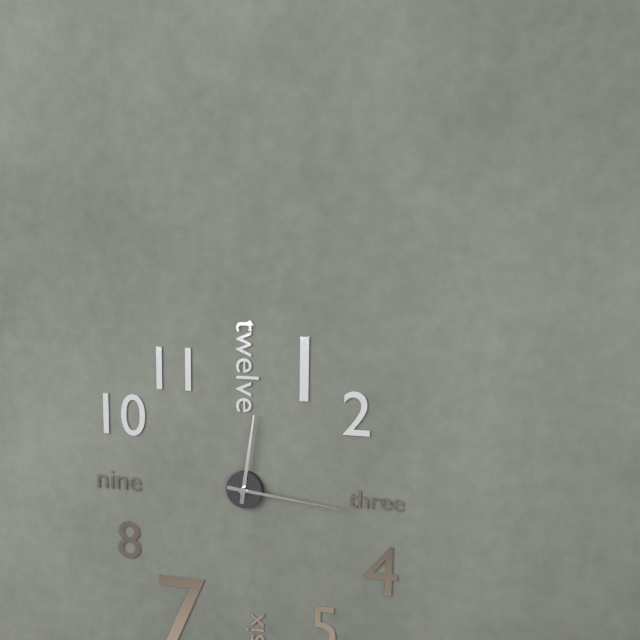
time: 12:16
